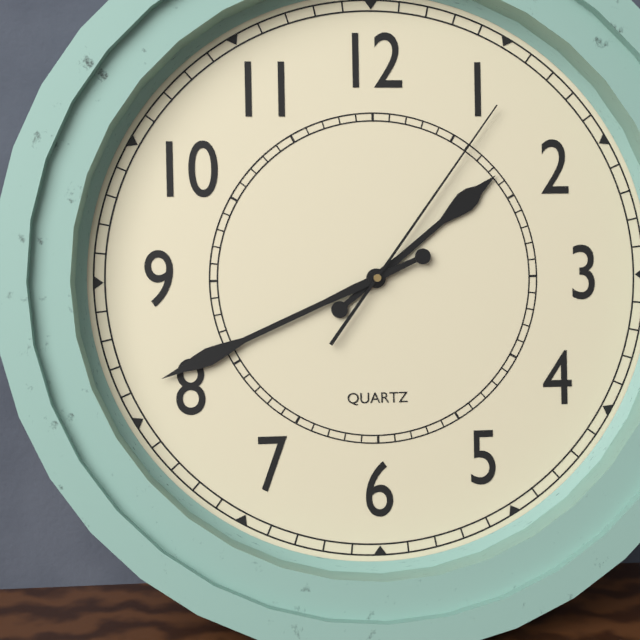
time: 1:41:06
